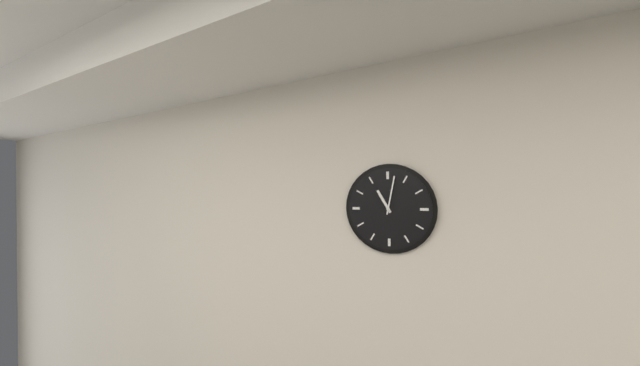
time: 11:02
